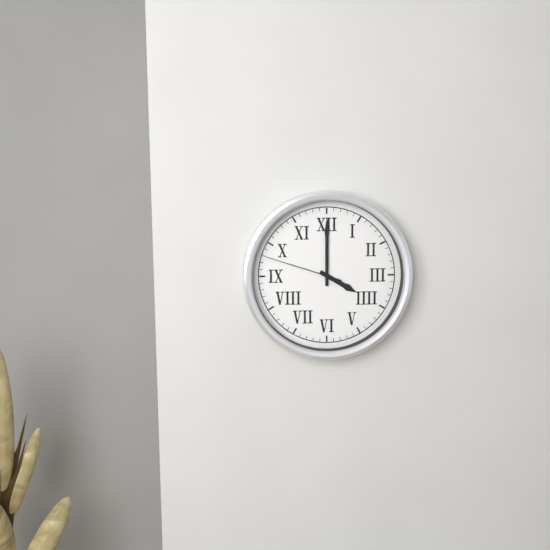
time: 4:00:48
